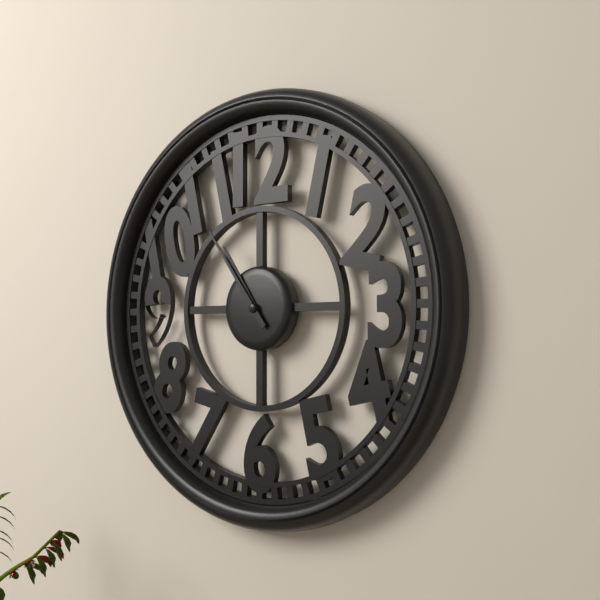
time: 10:54
